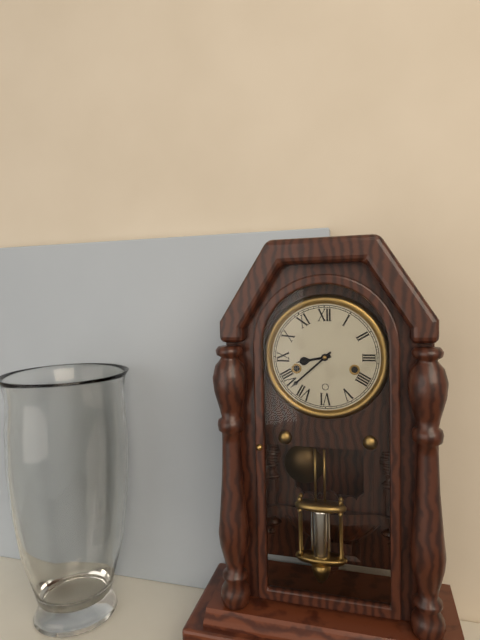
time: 8:38
